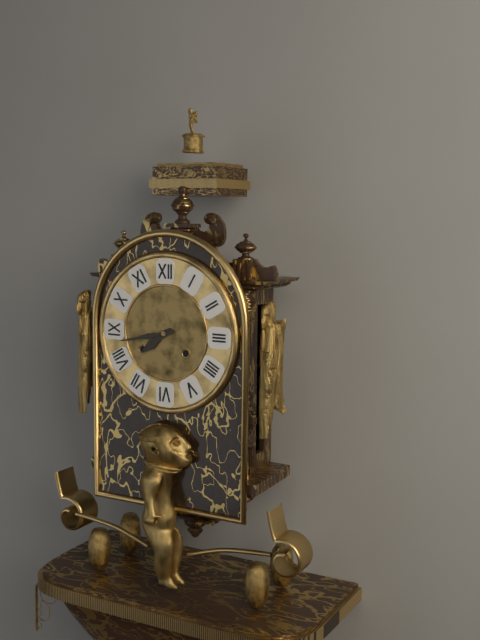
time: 7:43
